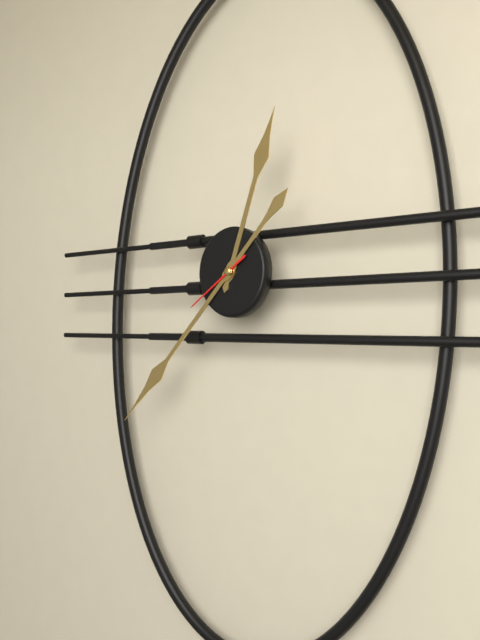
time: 12:37:39
